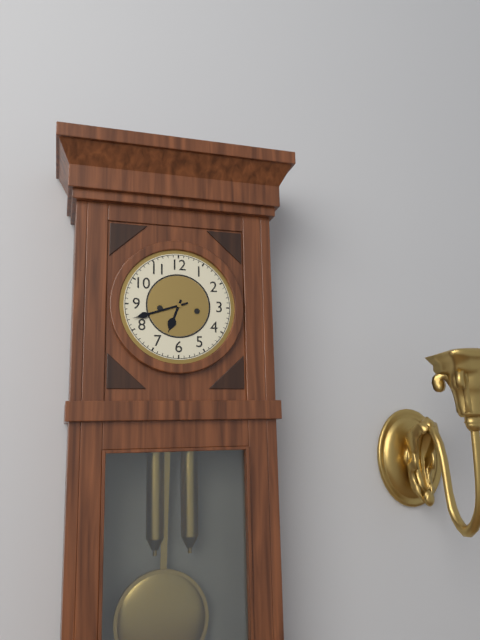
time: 6:42
